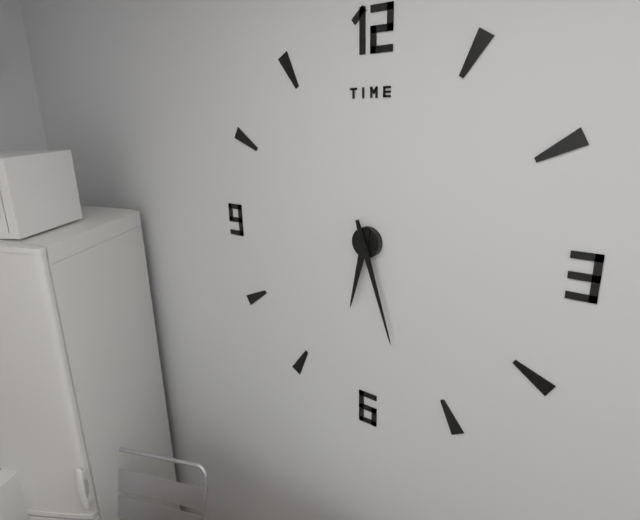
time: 6:27
